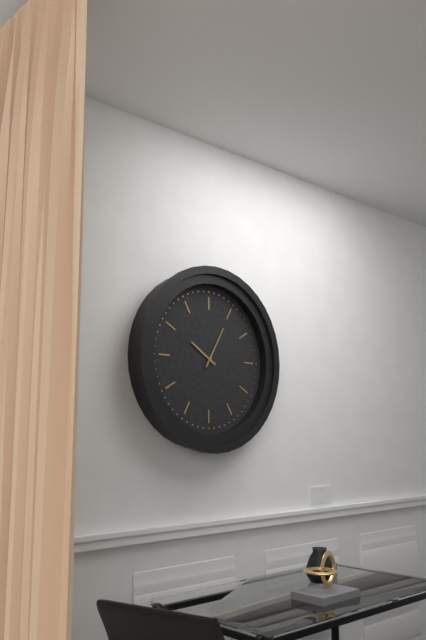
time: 10:05
